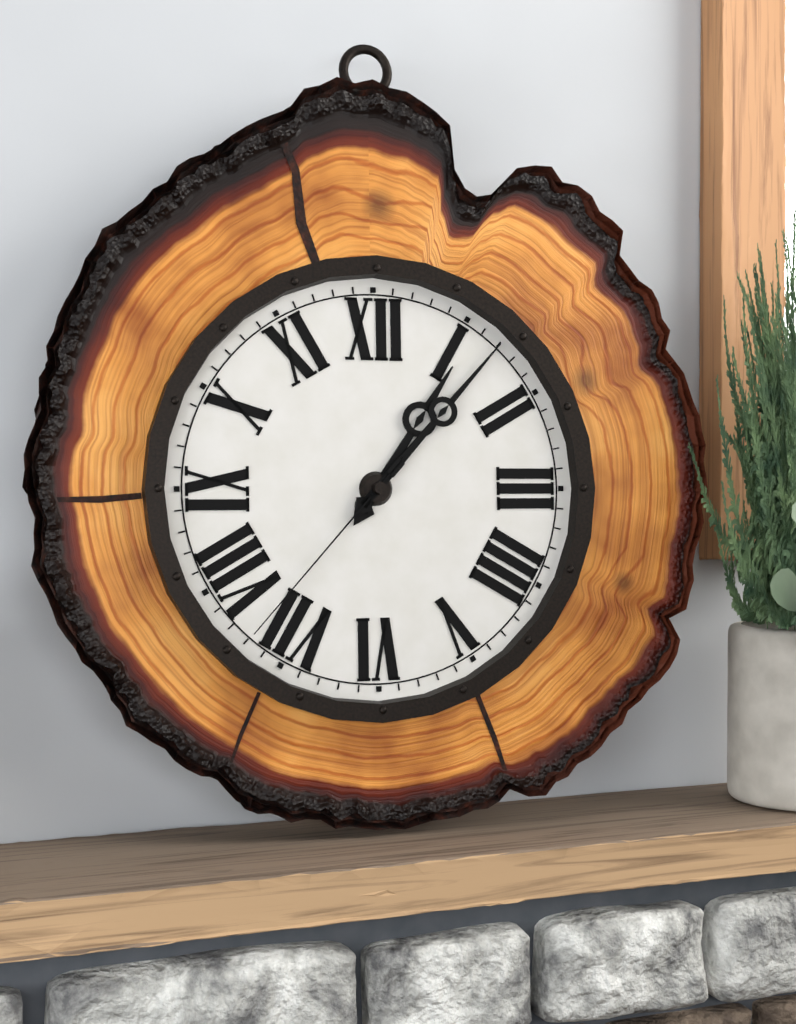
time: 1:07:37
